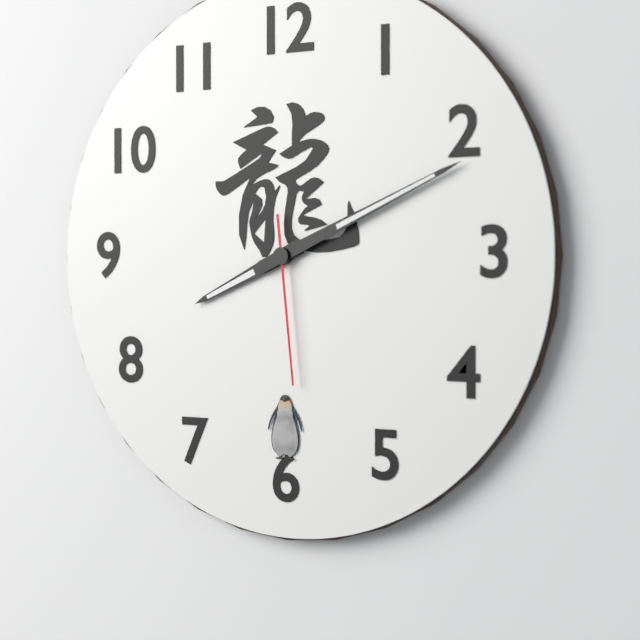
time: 8:11:29
